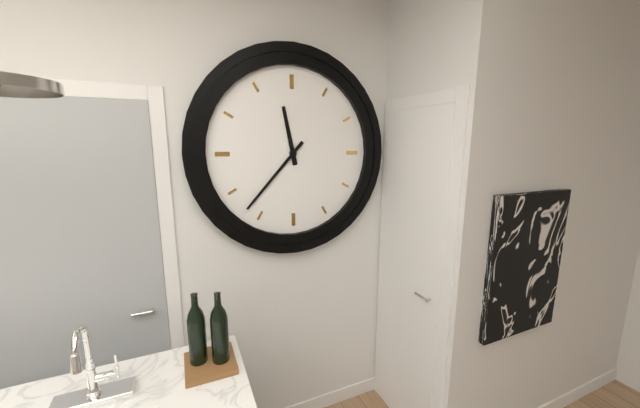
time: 11:37
